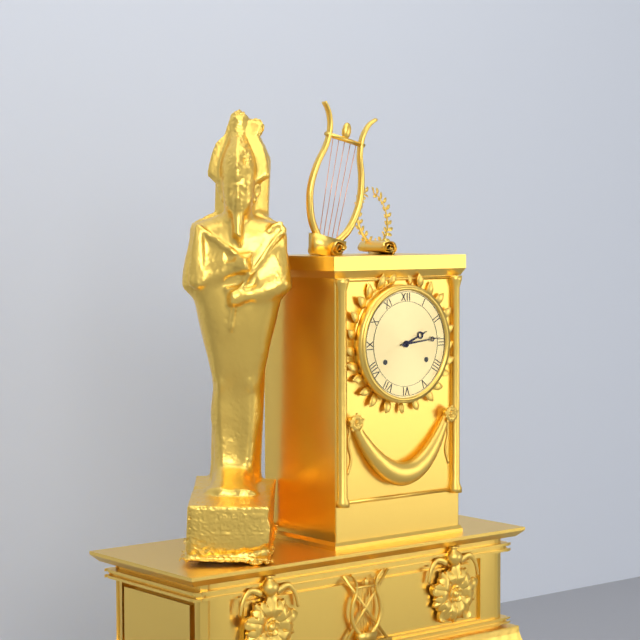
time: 2:14
